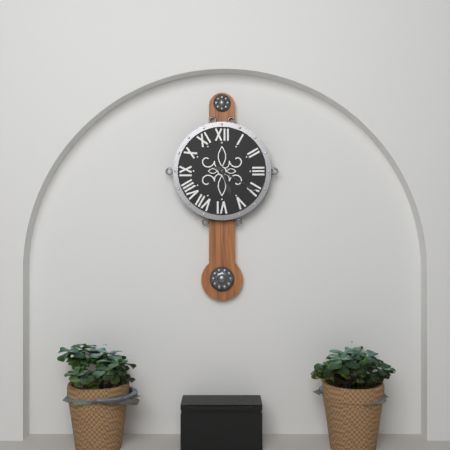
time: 5:20
